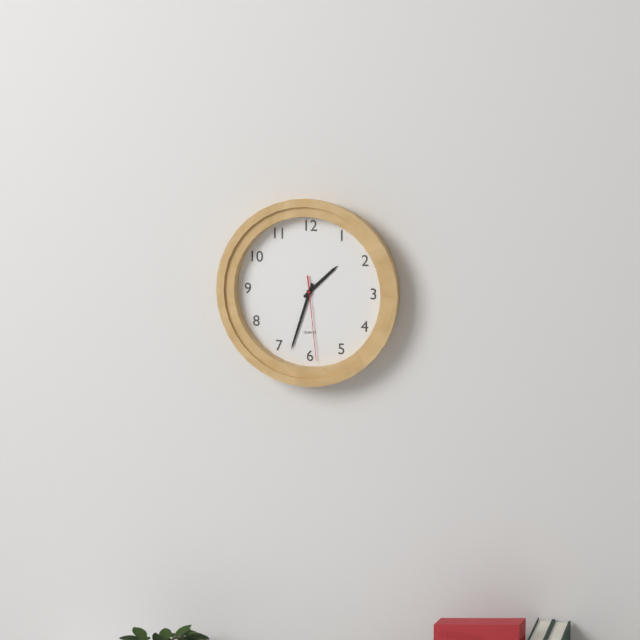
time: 1:33:29
